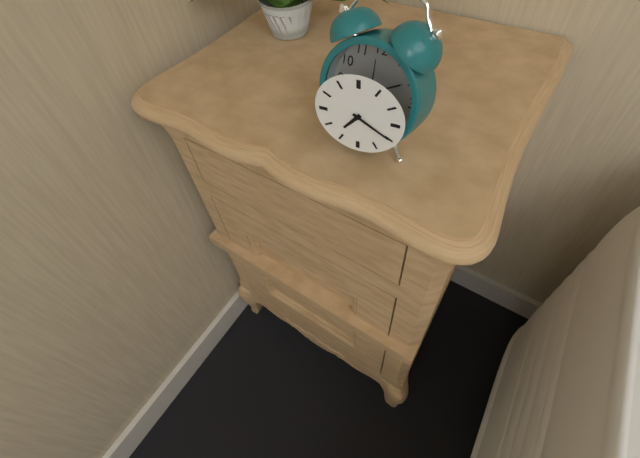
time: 7:20
